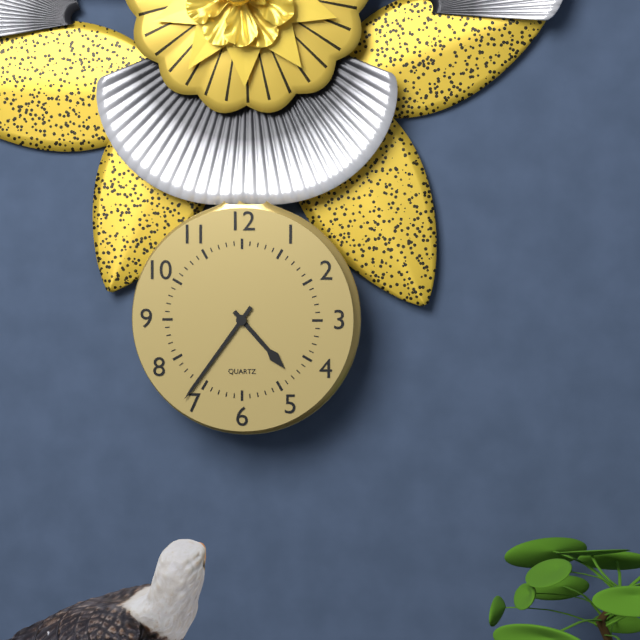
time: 4:36
